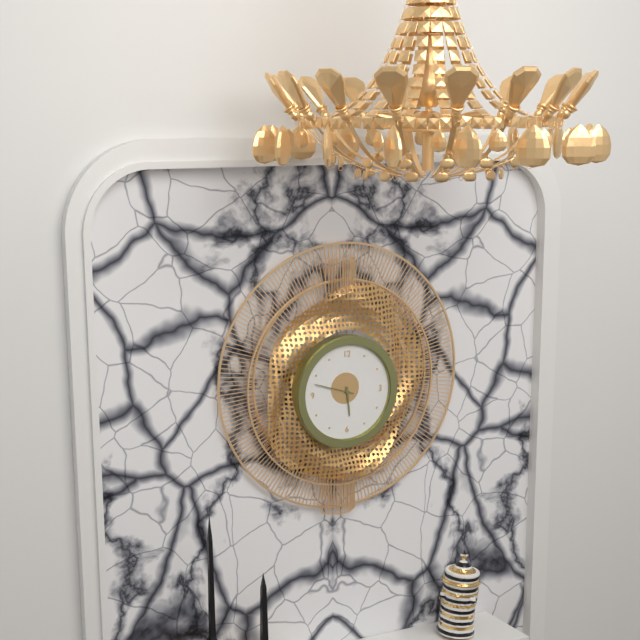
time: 5:48
